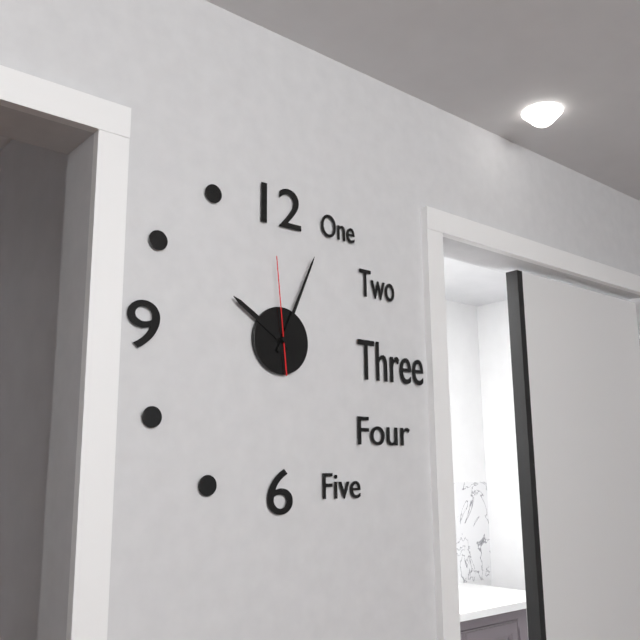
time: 10:04:59
